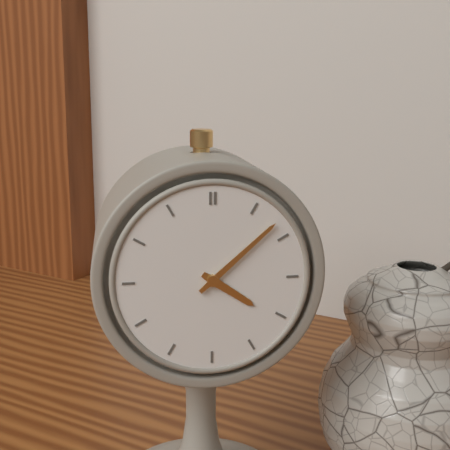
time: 4:08
